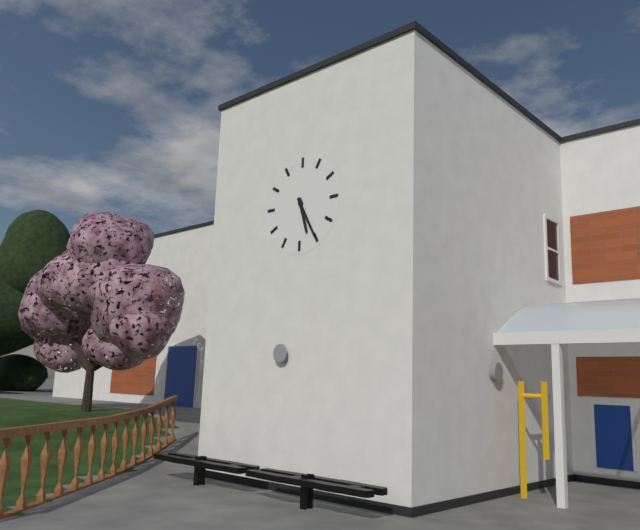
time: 5:25
